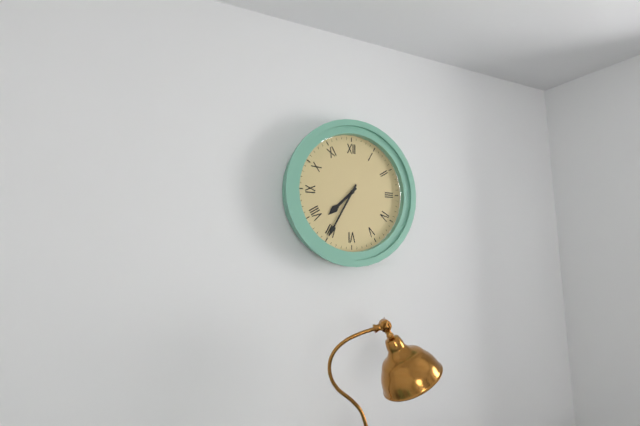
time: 7:35
